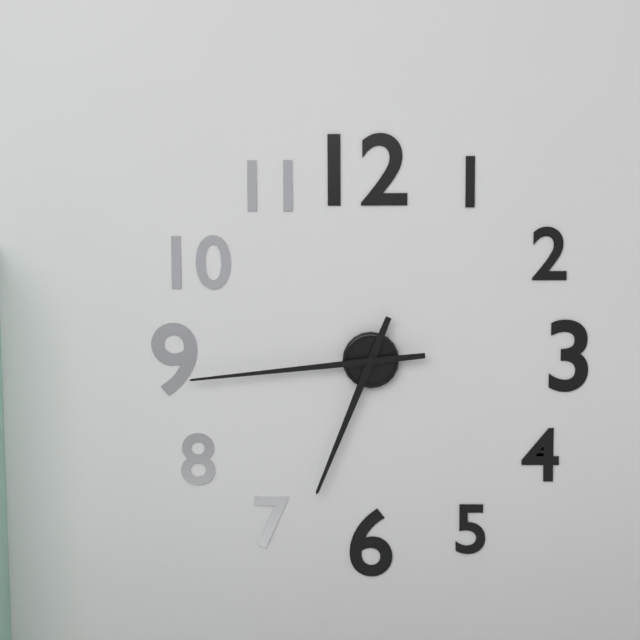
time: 6:44
